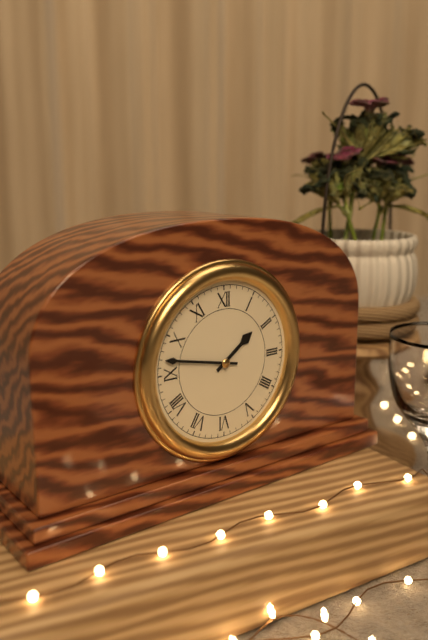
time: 1:47
